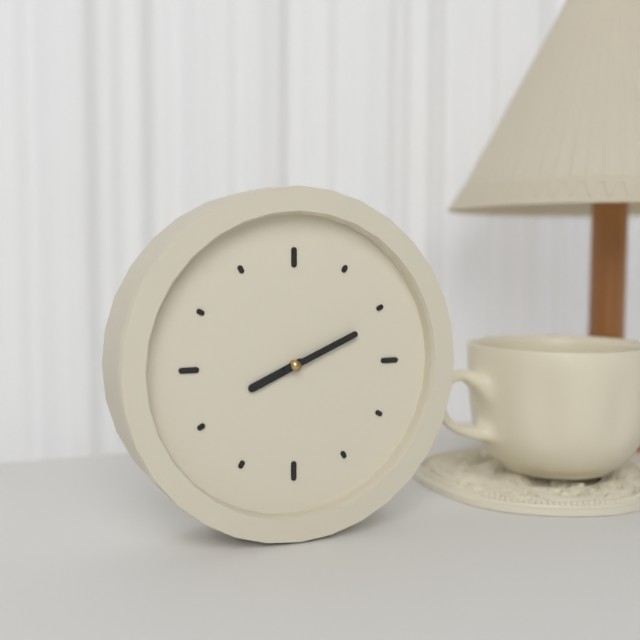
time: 8:11
